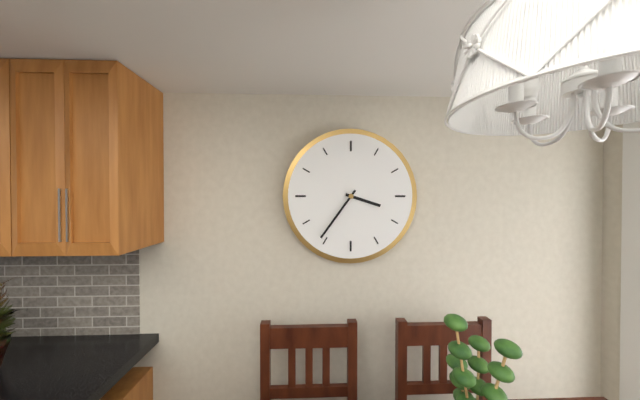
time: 3:36
